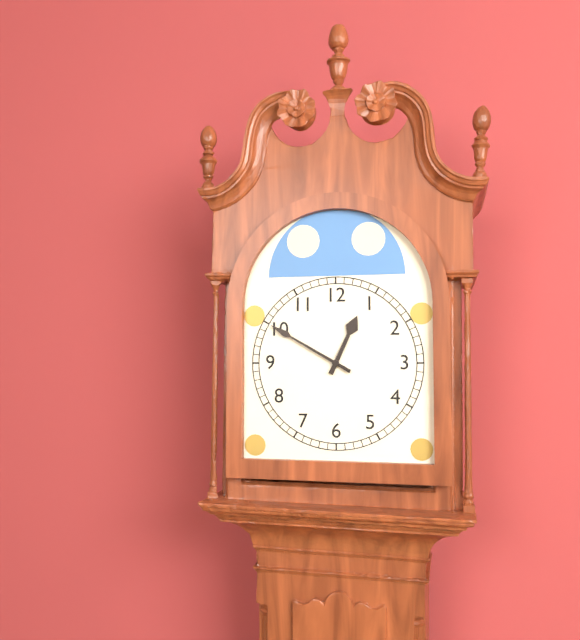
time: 12:50
